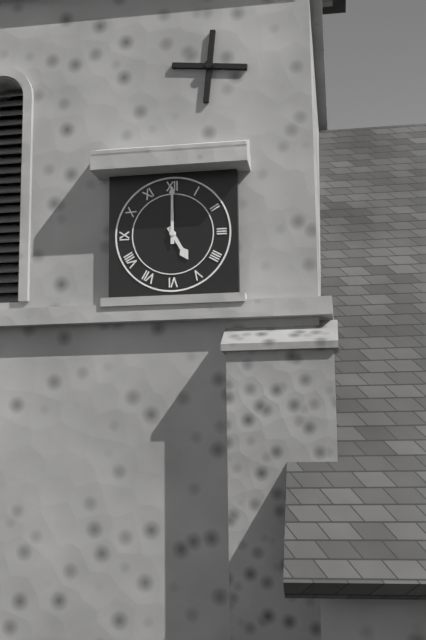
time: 5:00
